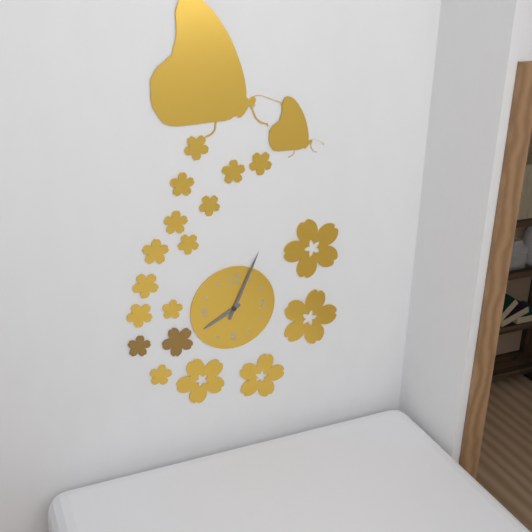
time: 8:04
